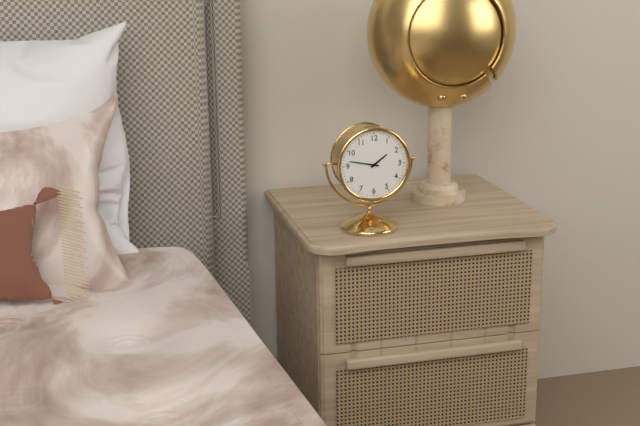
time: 1:47
